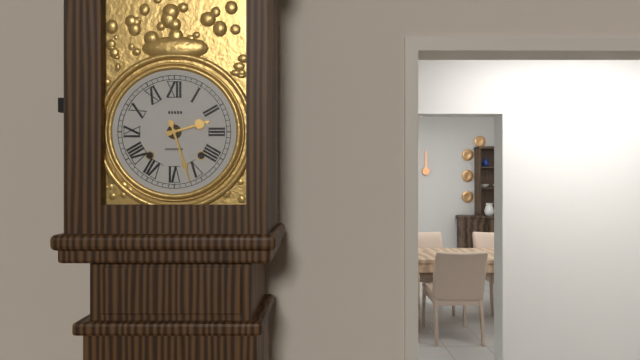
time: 2:27
